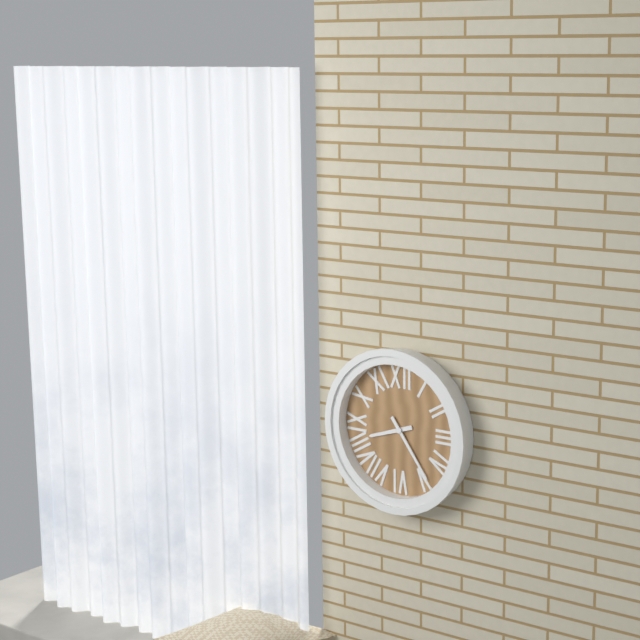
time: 8:24
